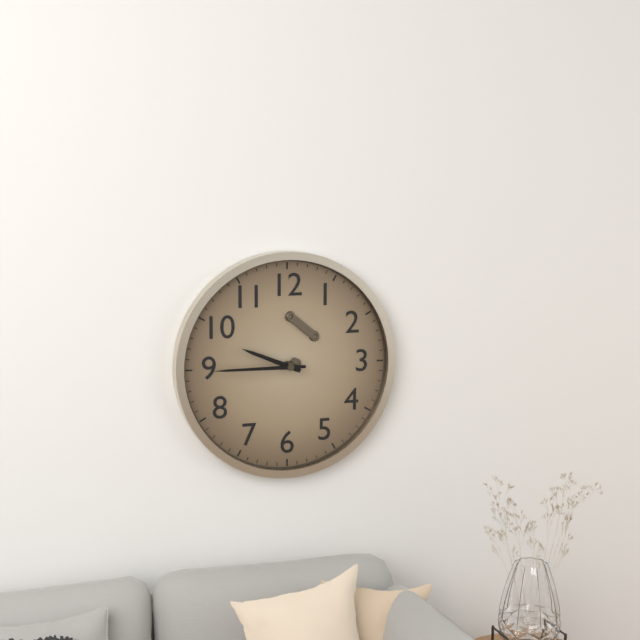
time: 9:45
